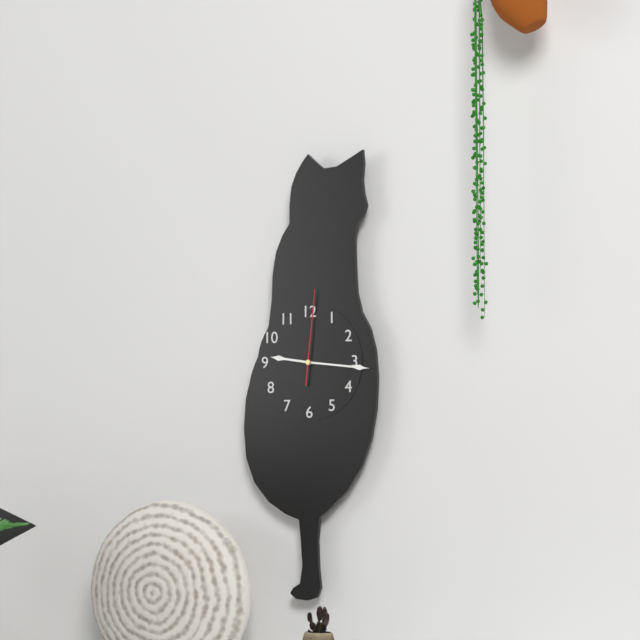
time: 9:16:01
